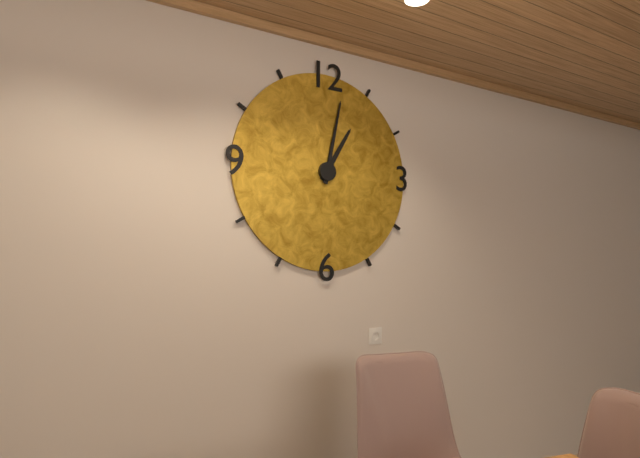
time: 1:02
